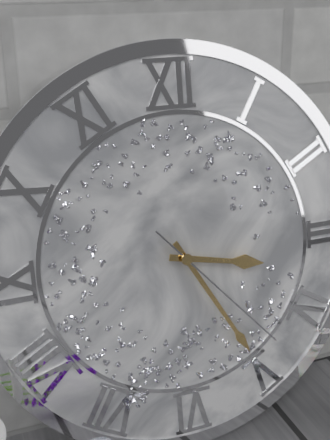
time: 3:25:23
